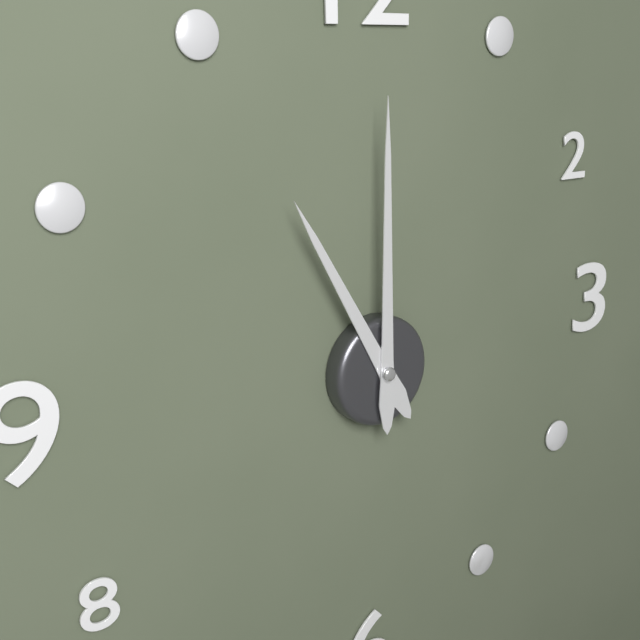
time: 11:00
